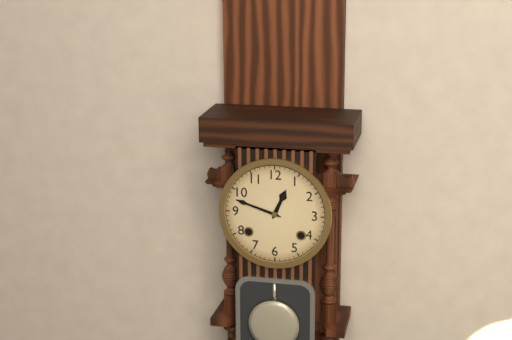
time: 12:48
